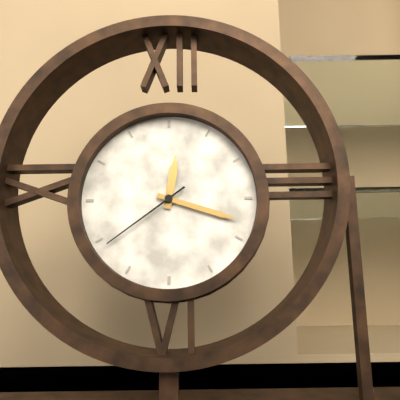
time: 12:18:39
